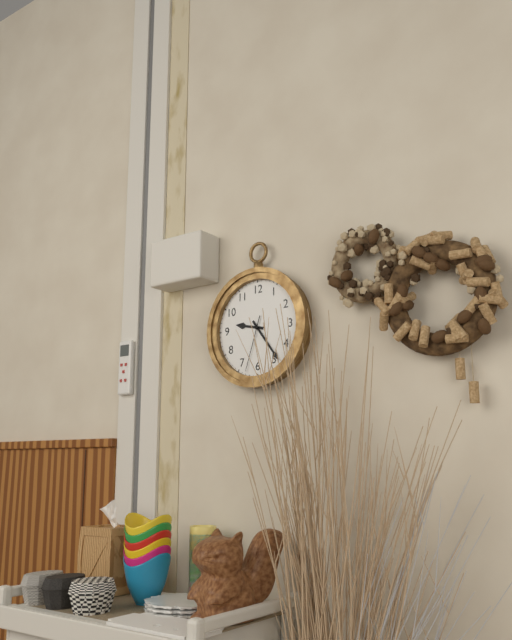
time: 9:24:33
